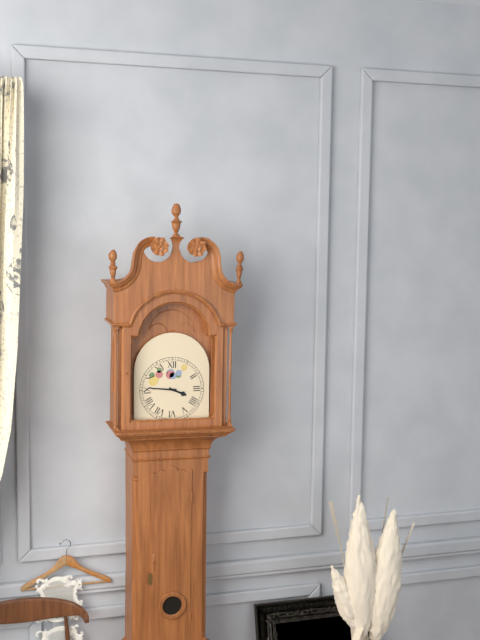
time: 3:46
